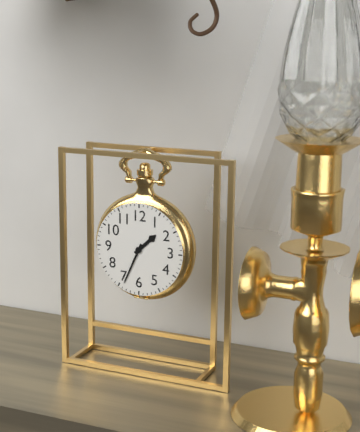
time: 1:34
